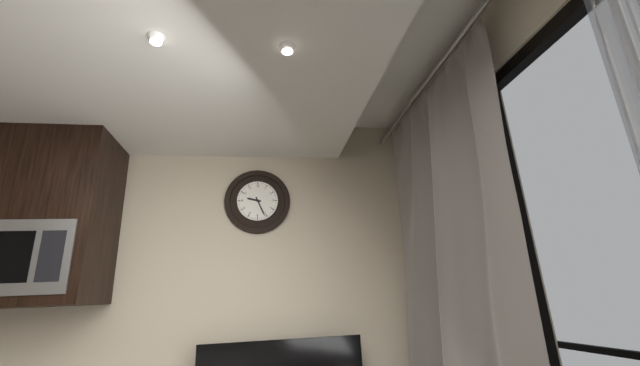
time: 9:26
